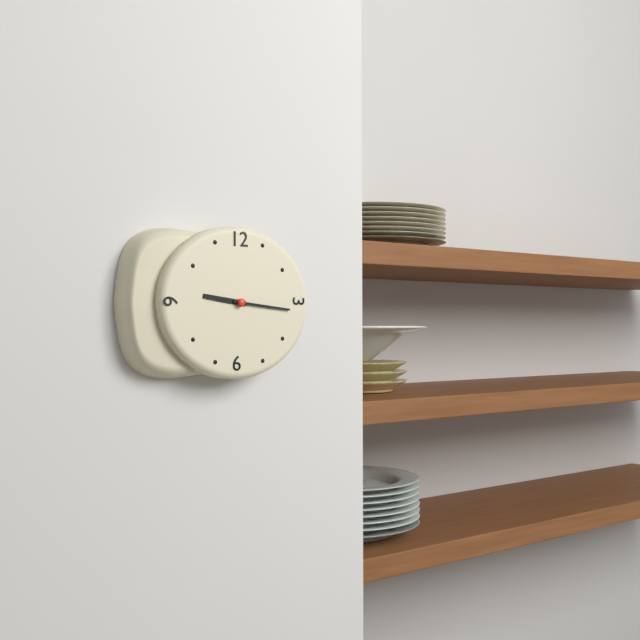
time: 9:16
